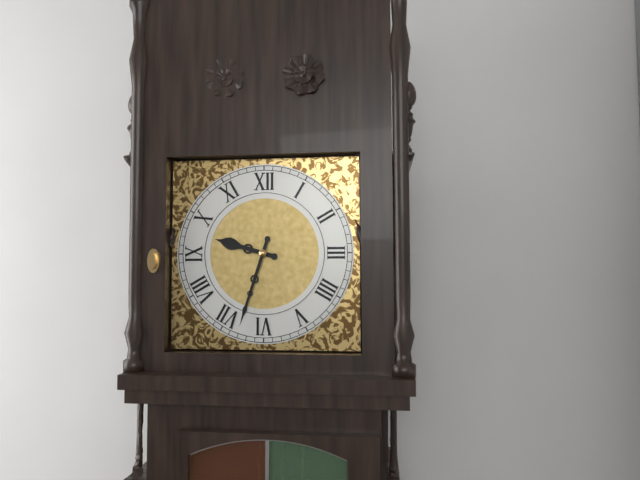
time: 9:33
